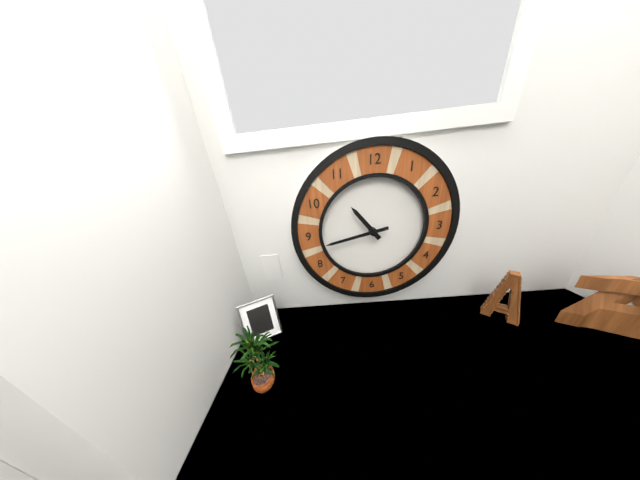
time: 10:43
